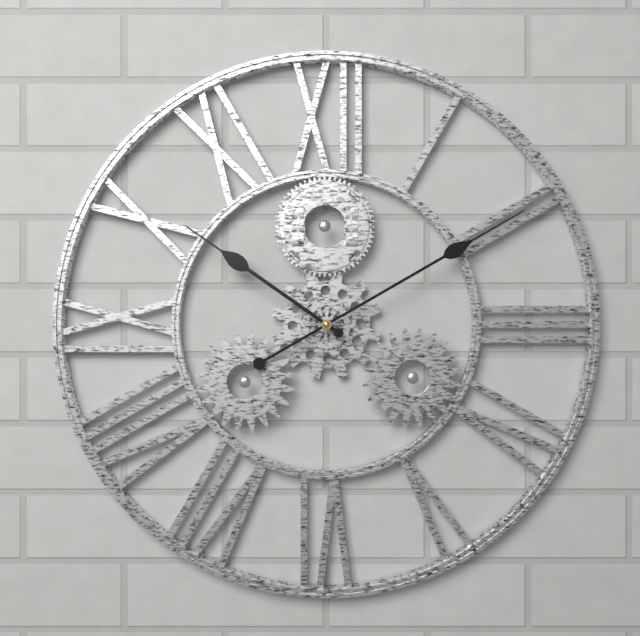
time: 10:10
